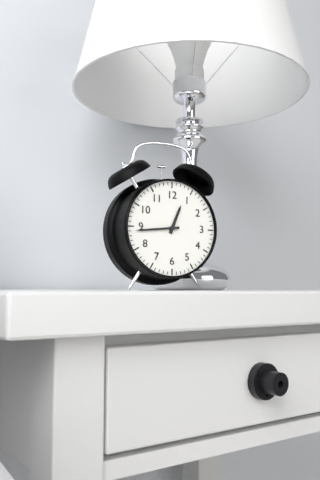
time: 12:44
